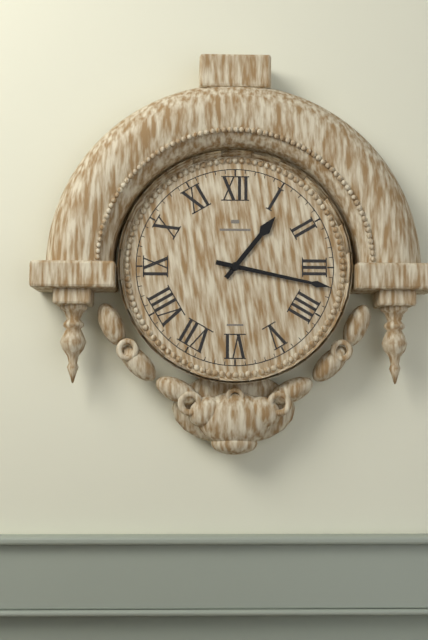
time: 1:17
